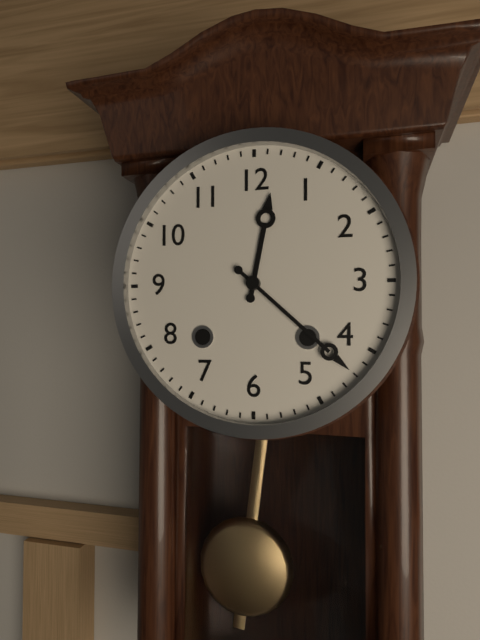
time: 12:22
